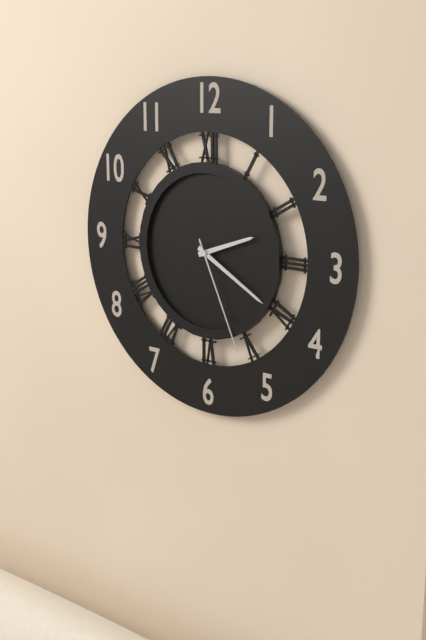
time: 2:20:26
